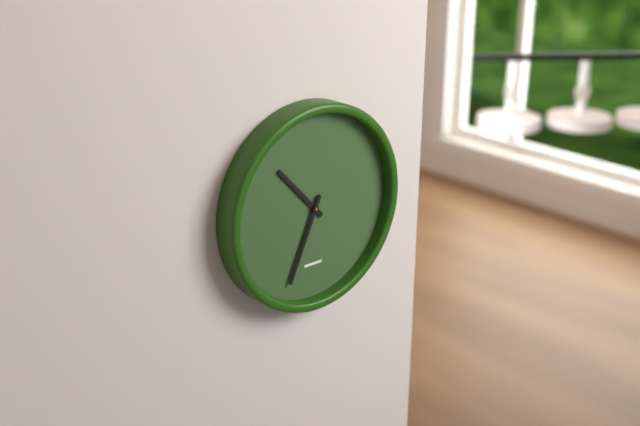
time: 10:34
